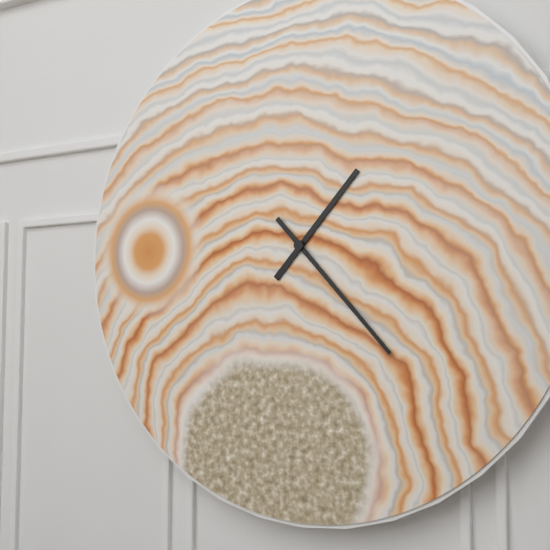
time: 1:23
